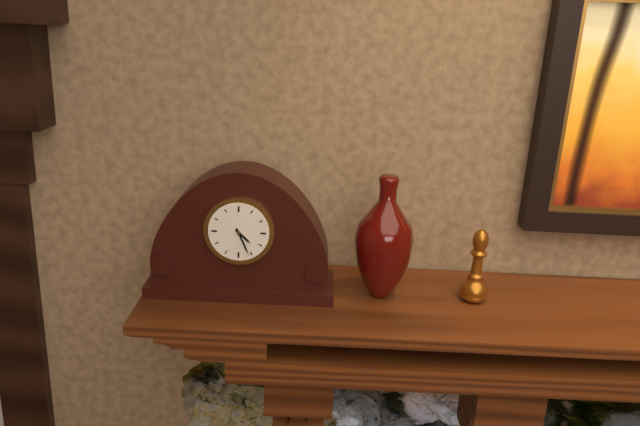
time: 4:26
